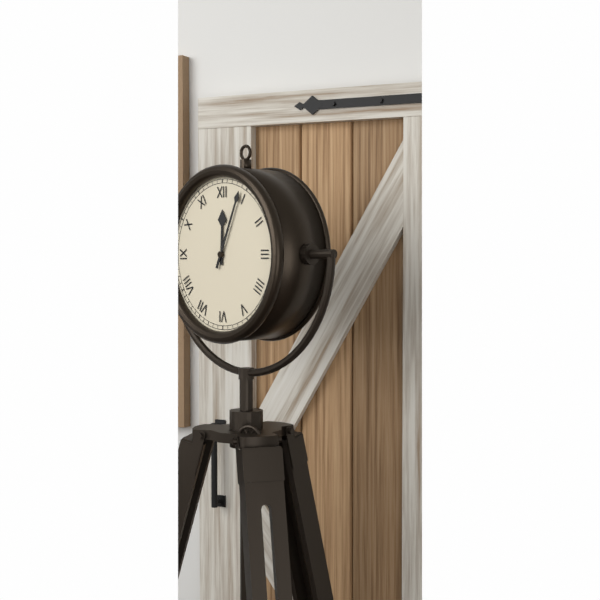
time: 12:04
